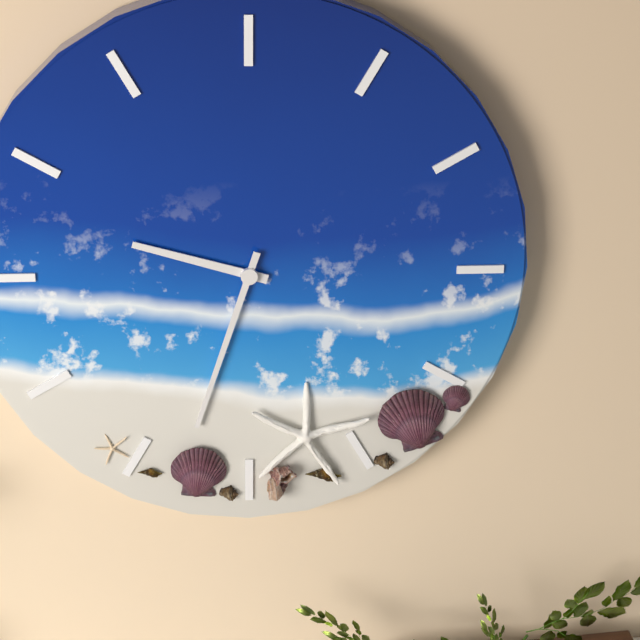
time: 9:33
